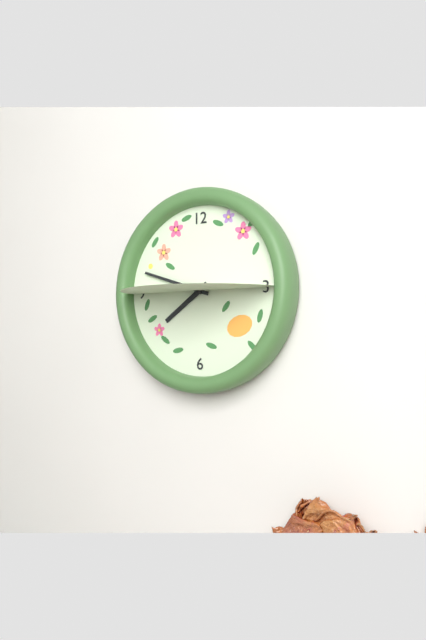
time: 7:48
